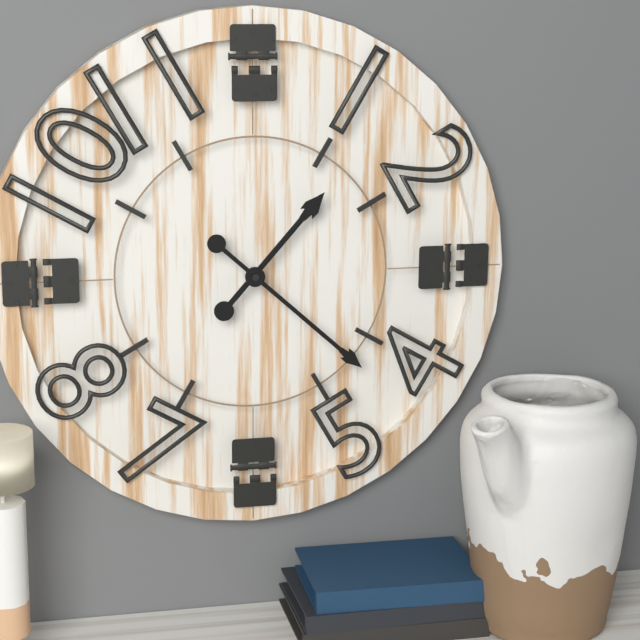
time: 1:22
